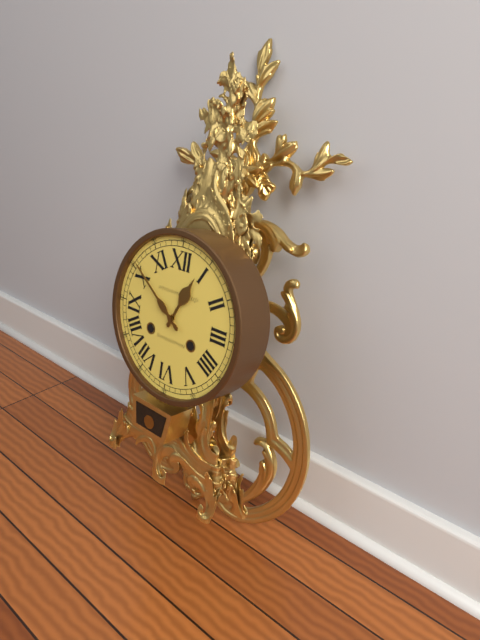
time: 12:51
